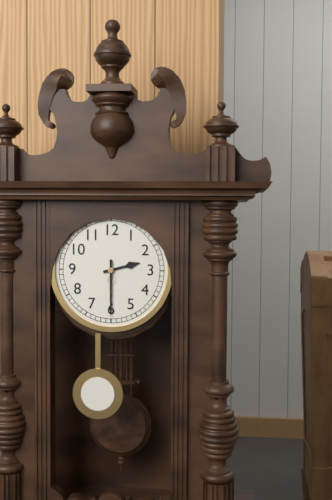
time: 2:30
